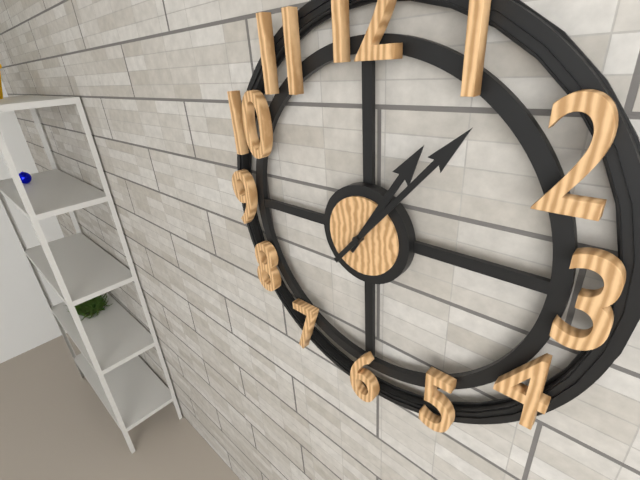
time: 1:07
